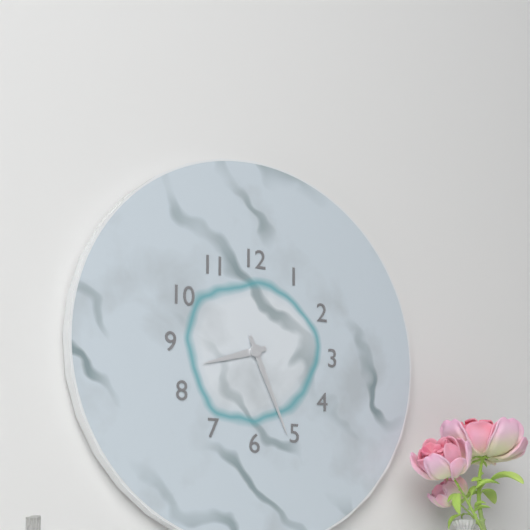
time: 8:26
